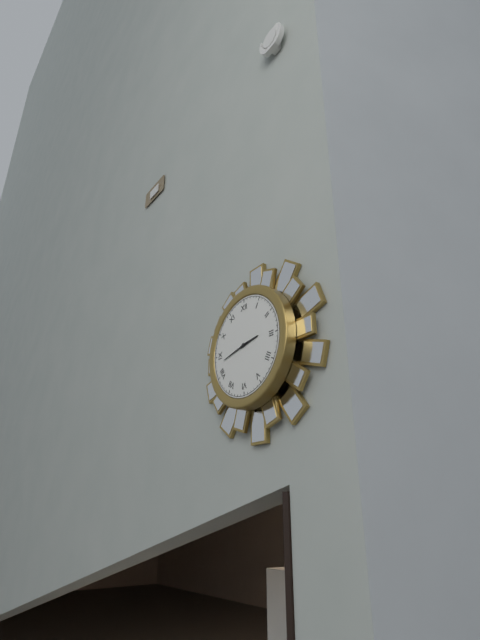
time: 2:43
